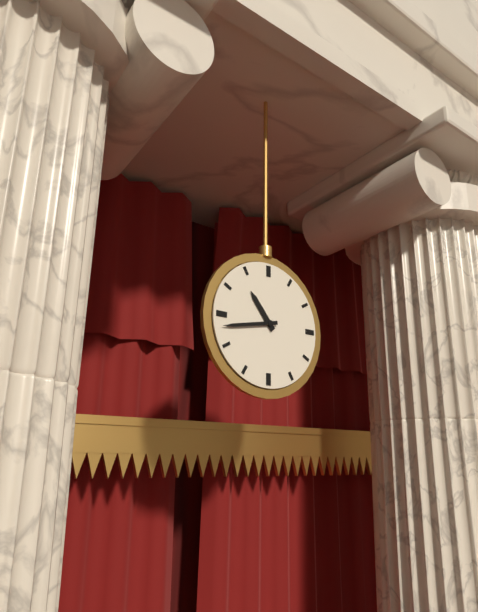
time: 10:43
